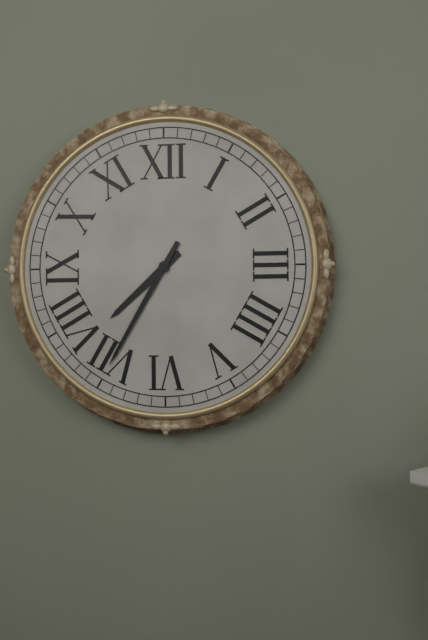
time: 7:35
